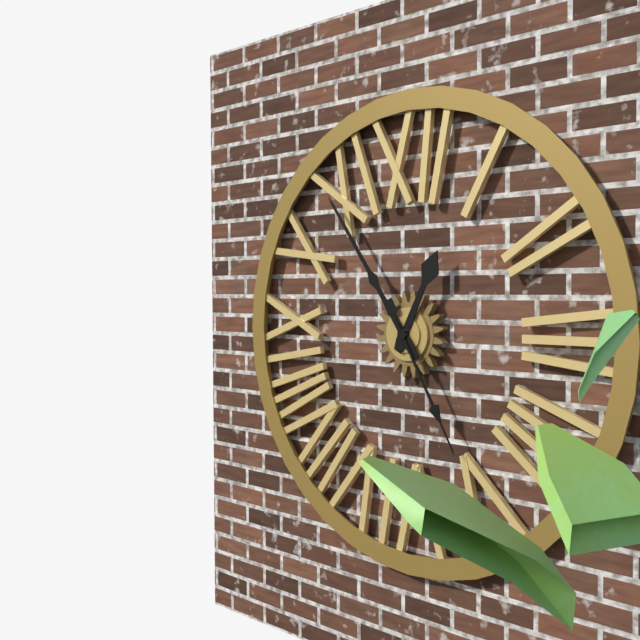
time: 12:54:25
